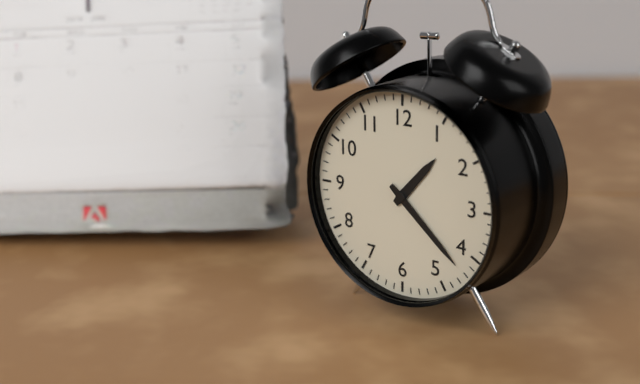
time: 1:22
